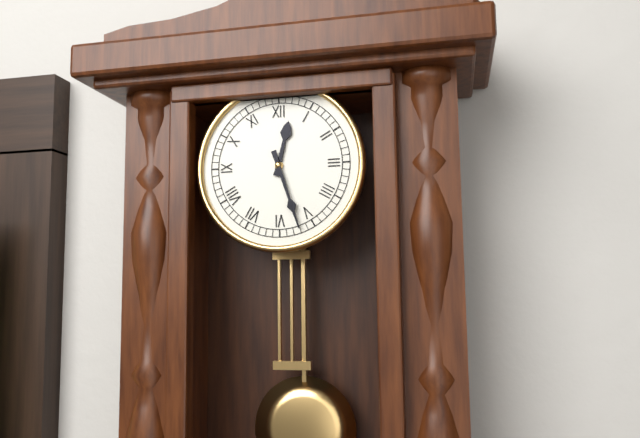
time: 12:27
